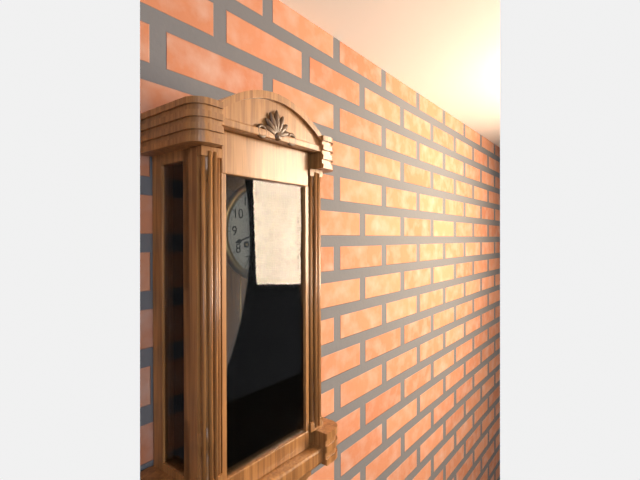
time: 2:42
